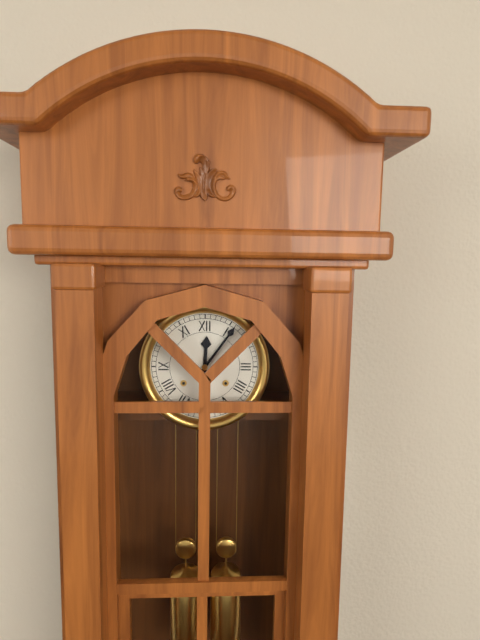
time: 12:06
